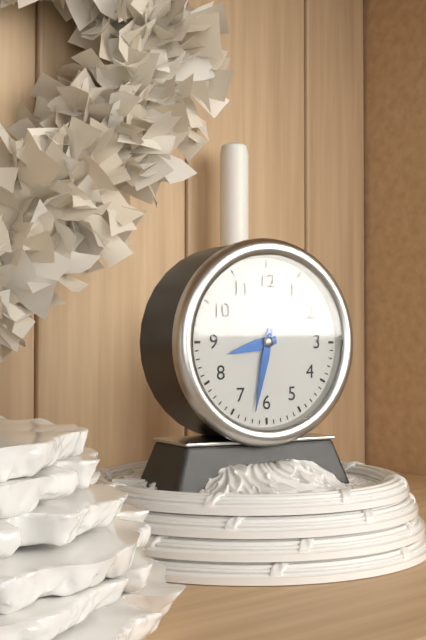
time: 8:32
